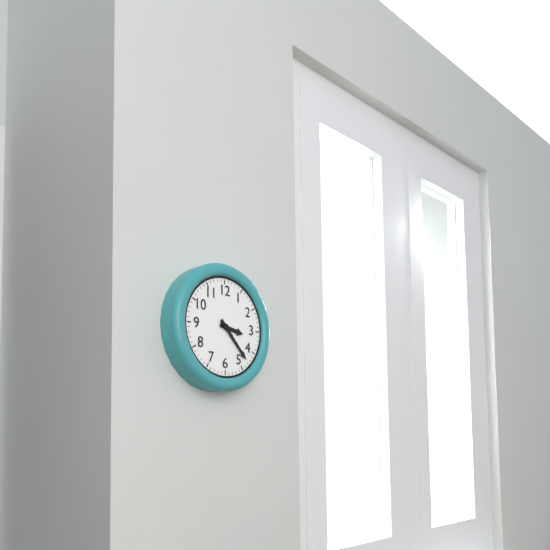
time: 3:23
